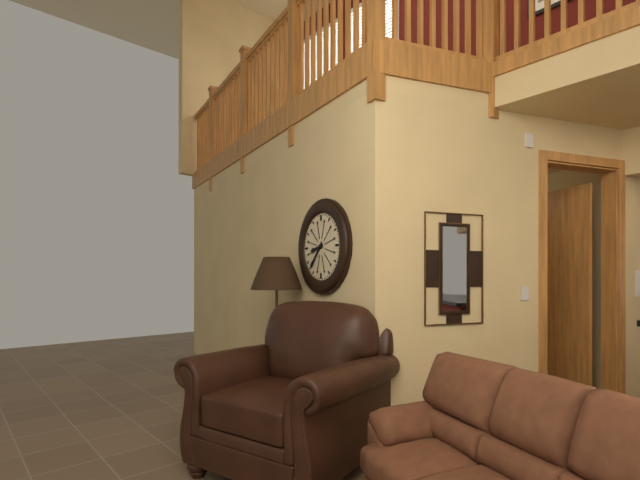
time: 8:37
